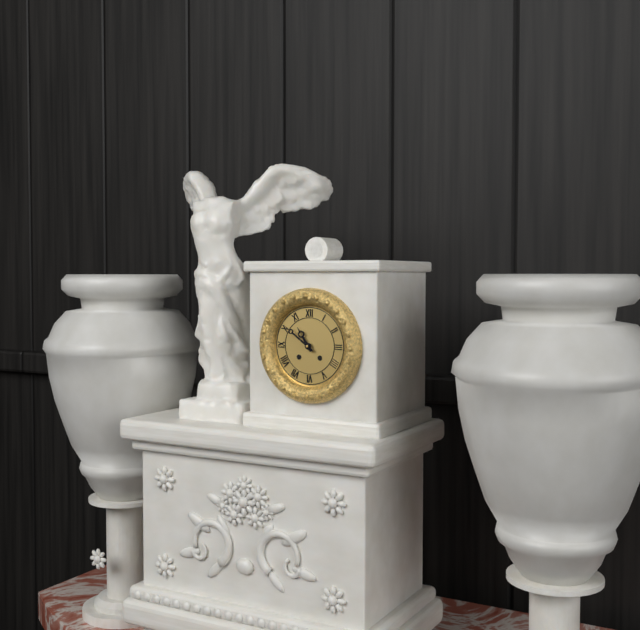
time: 10:51
